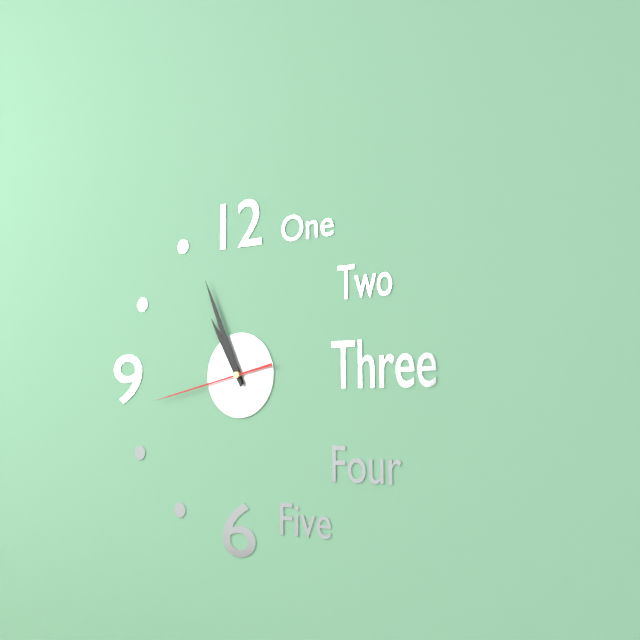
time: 10:56:43
